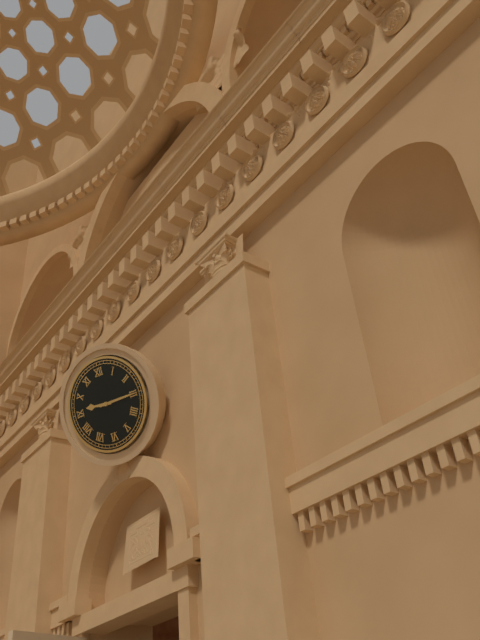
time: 9:15
